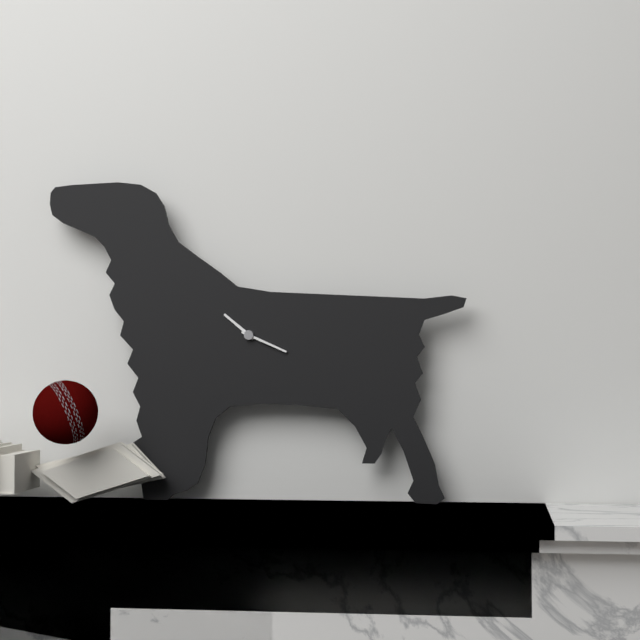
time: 10:19
